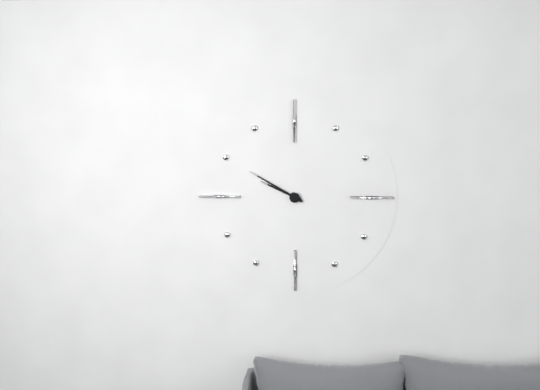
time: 9:50
